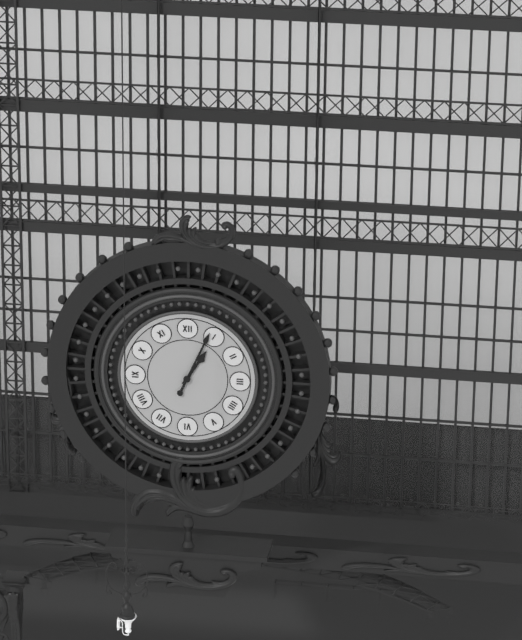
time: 1:04
